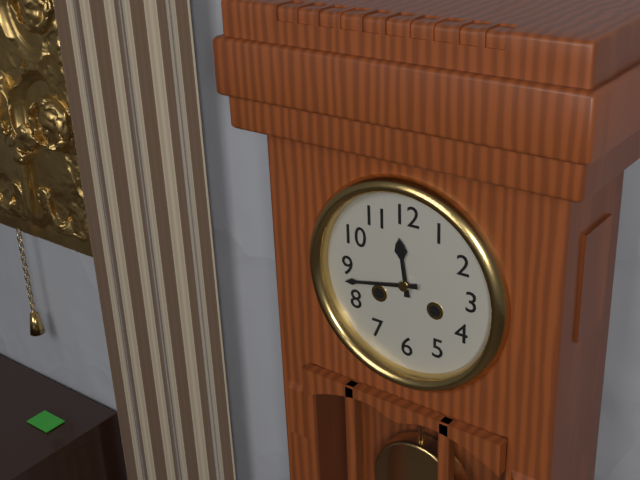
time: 11:43
